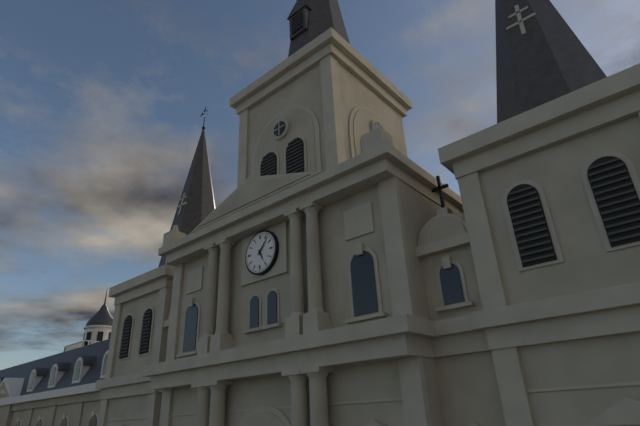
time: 5:07
